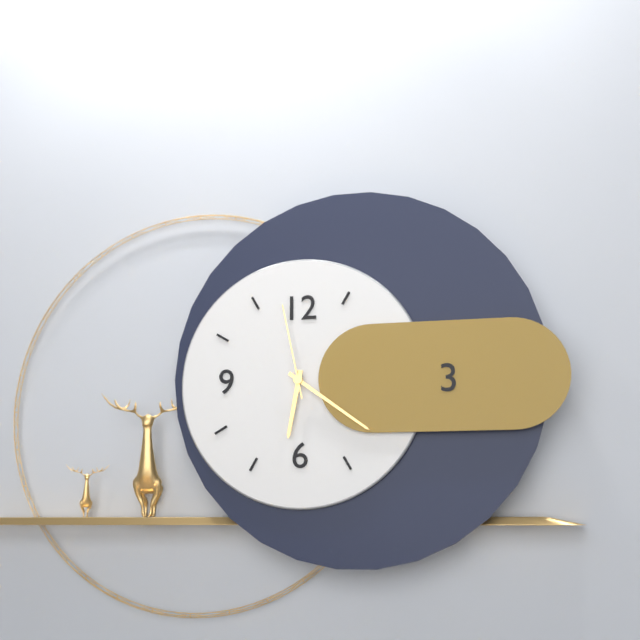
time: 6:21:58
